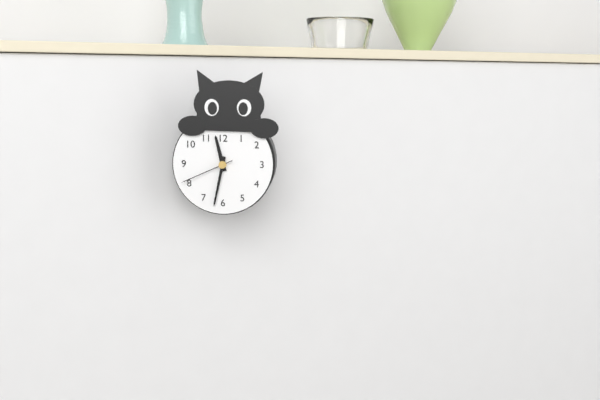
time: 11:32:41
